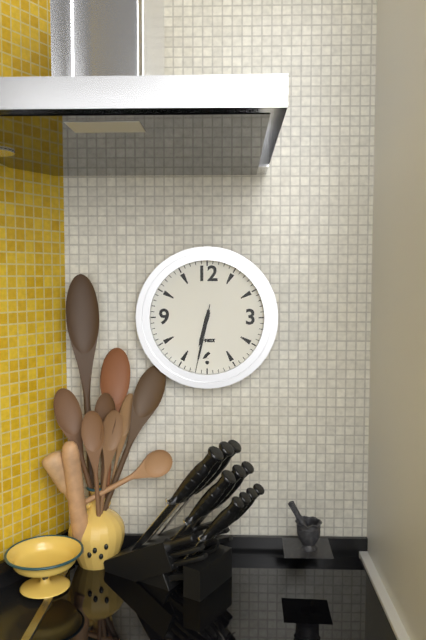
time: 6:32:32
